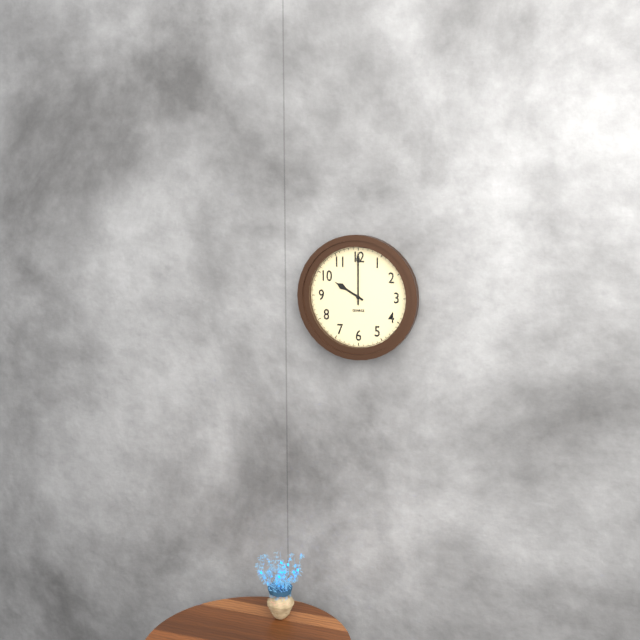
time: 10:00
